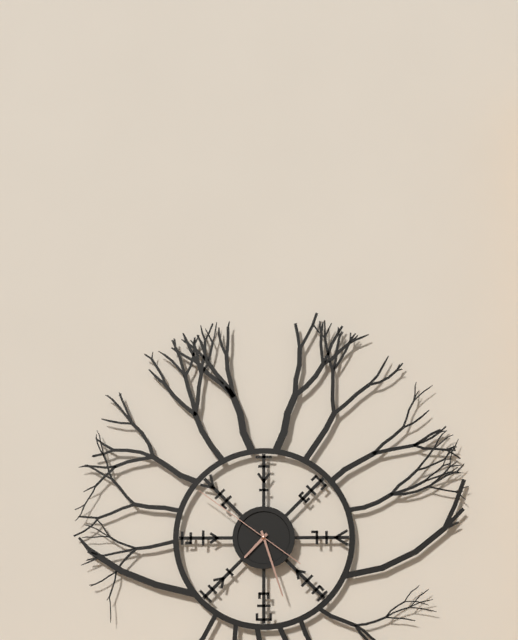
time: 7:27:51
